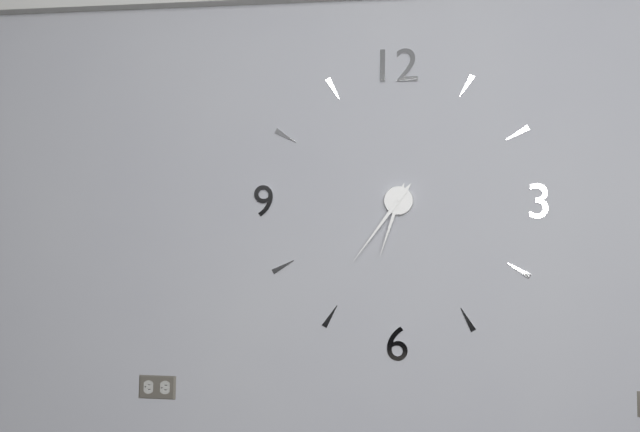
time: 6:36
